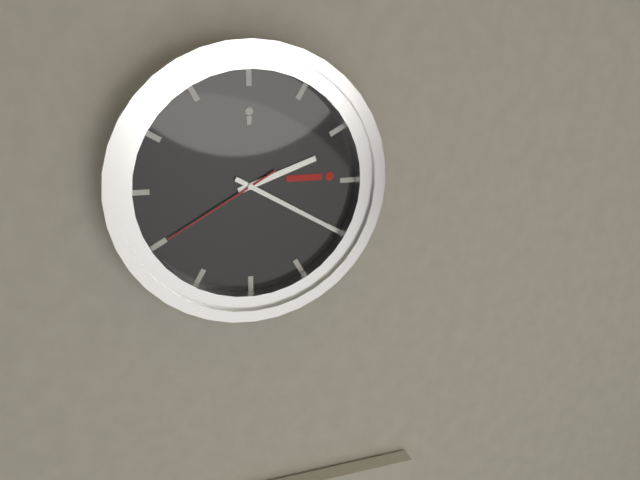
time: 2:20:40
